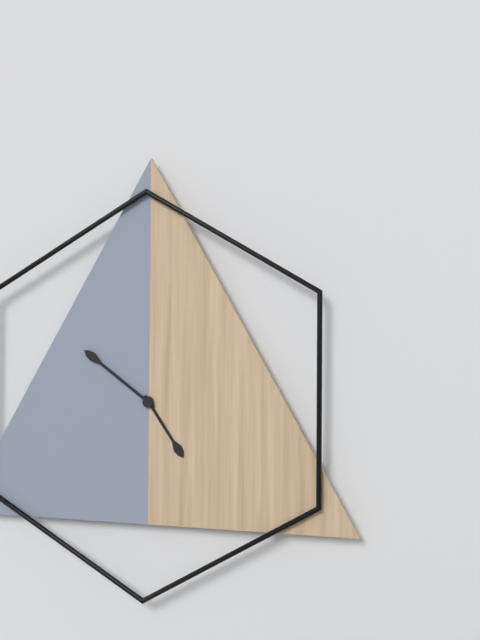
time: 4:51
